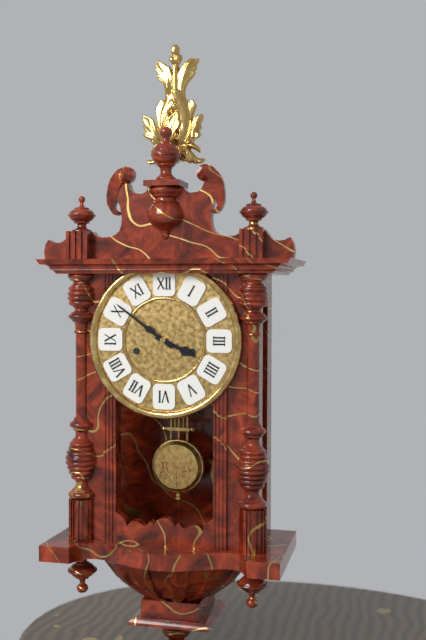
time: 3:51
